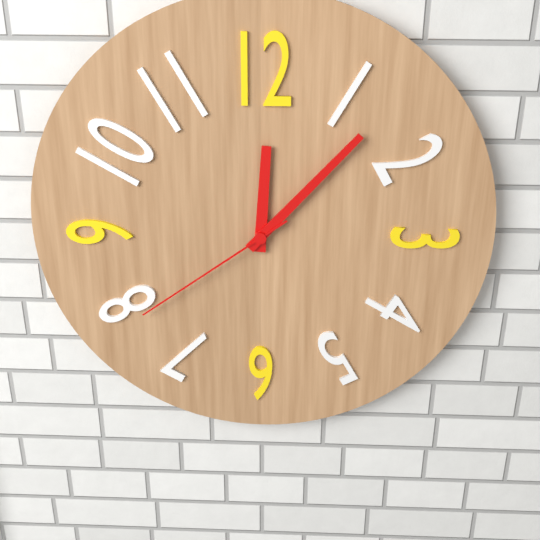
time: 12:07:39
